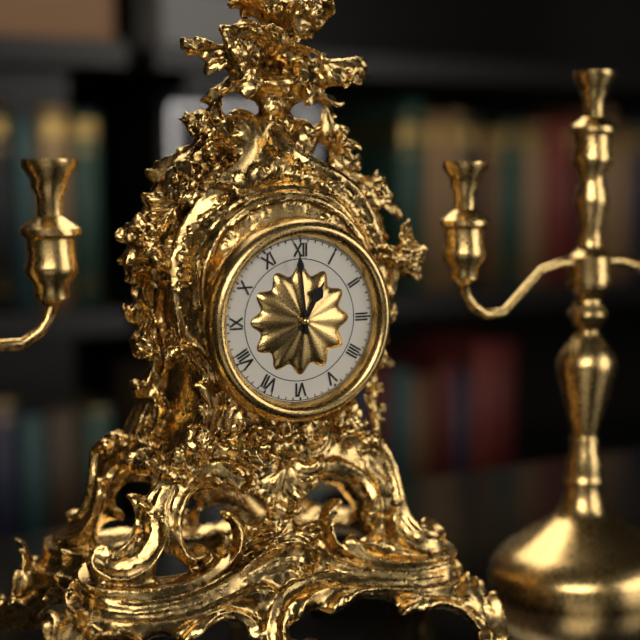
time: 12:59
